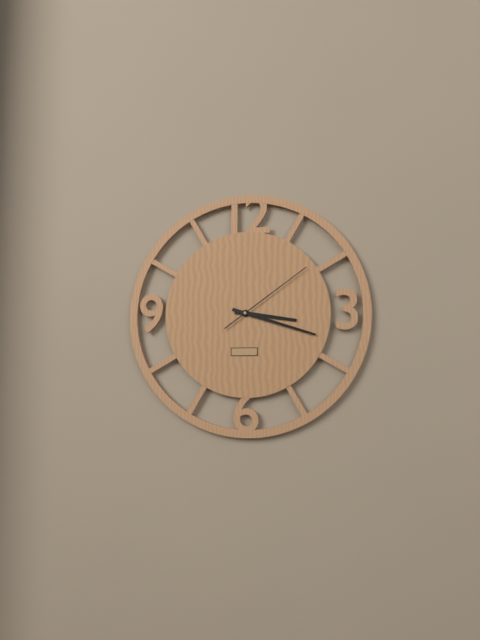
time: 3:18:09
